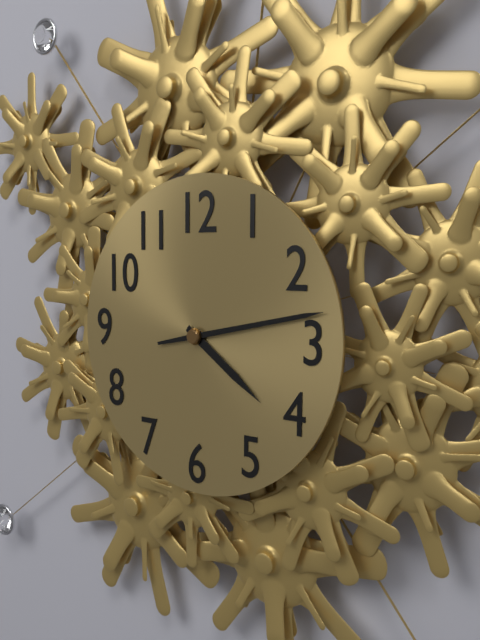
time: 4:13
